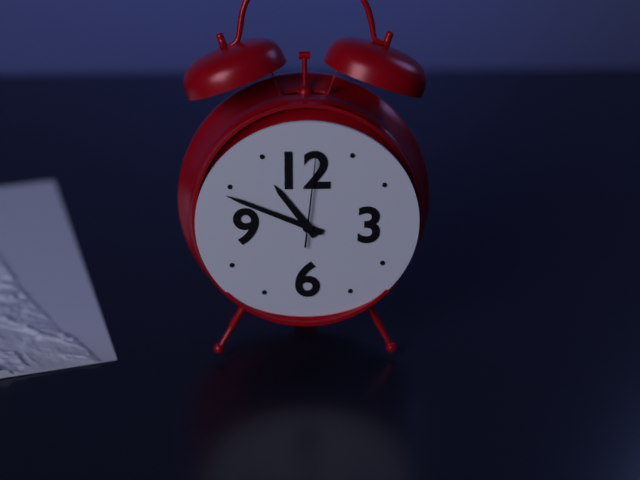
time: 10:49:01
